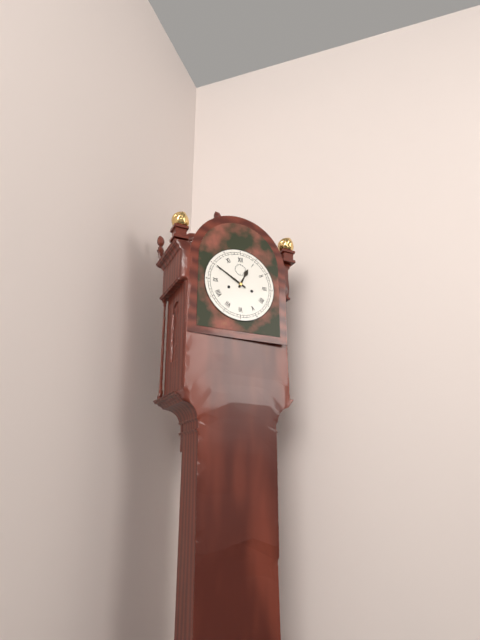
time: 12:50
